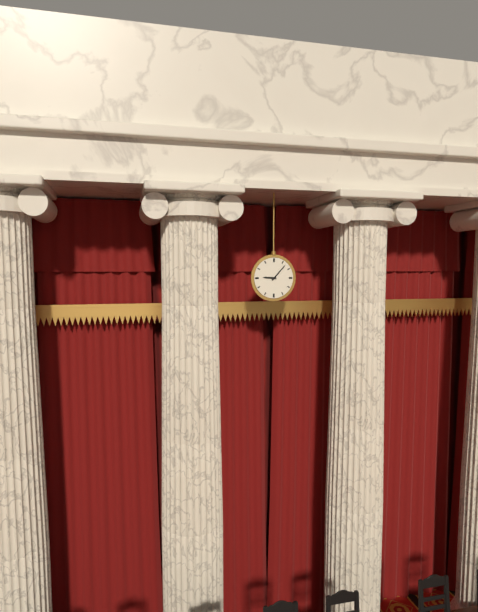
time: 9:07
